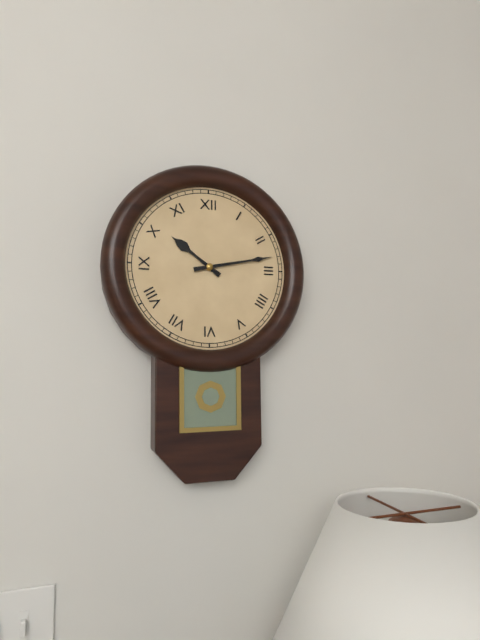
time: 10:13
